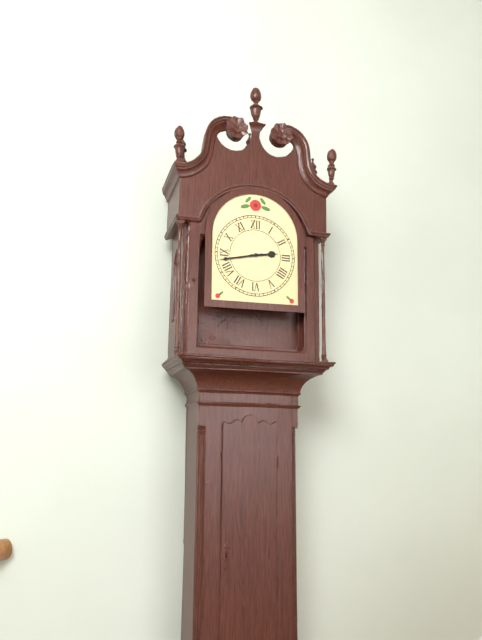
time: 2:43
